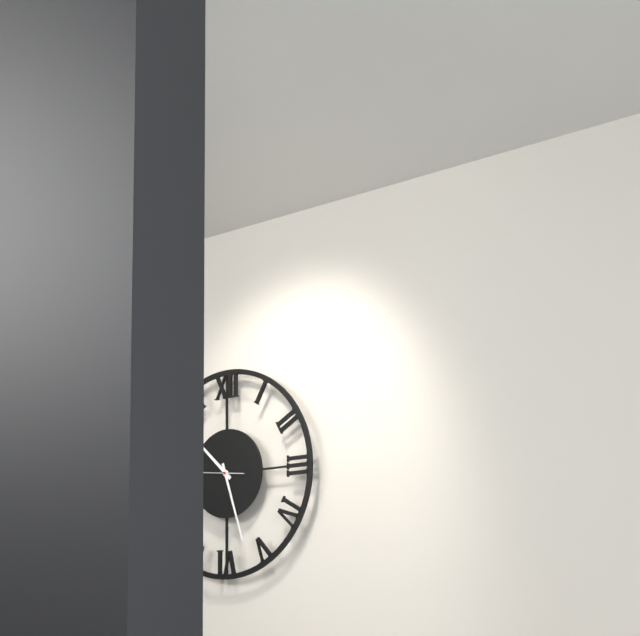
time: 10:27
